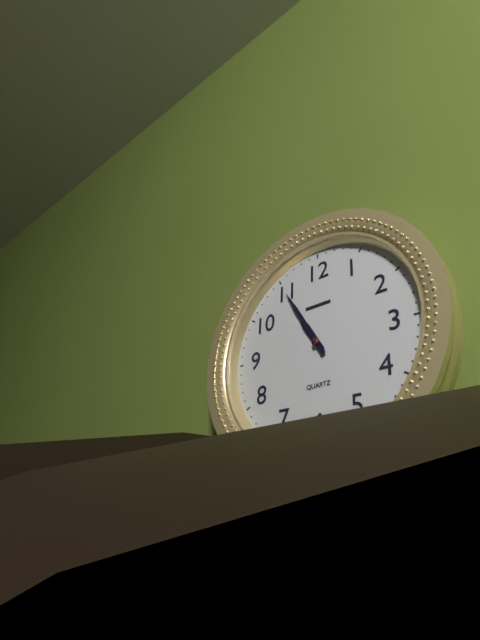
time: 10:55
